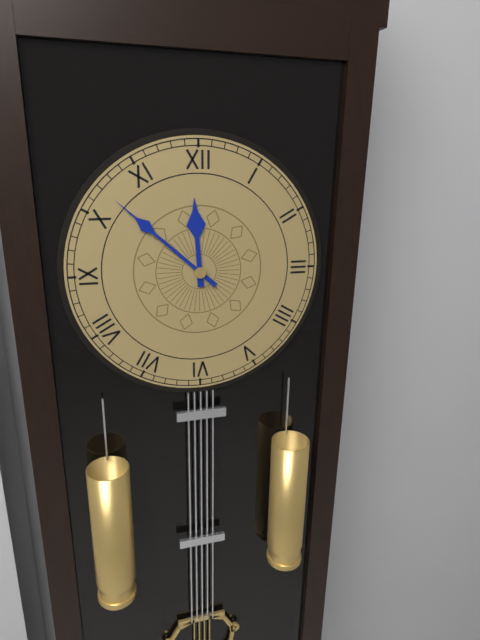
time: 11:52
